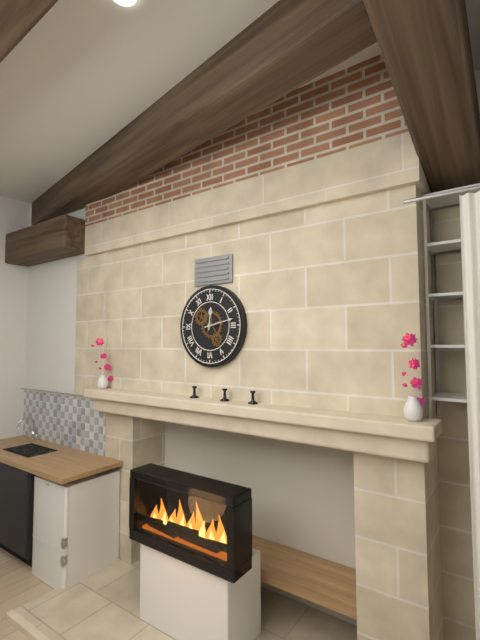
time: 12:13
